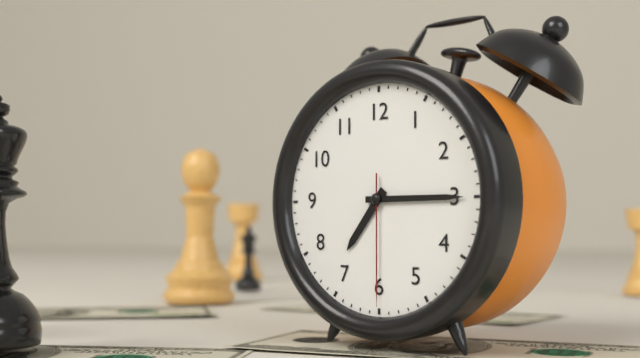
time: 7:15:30
